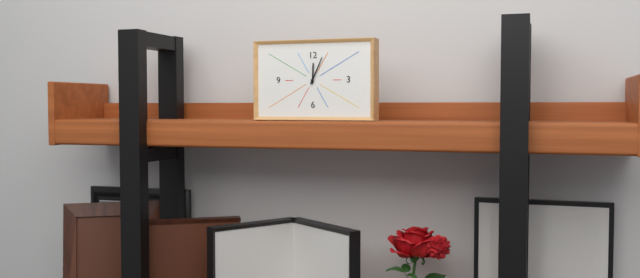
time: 12:04
